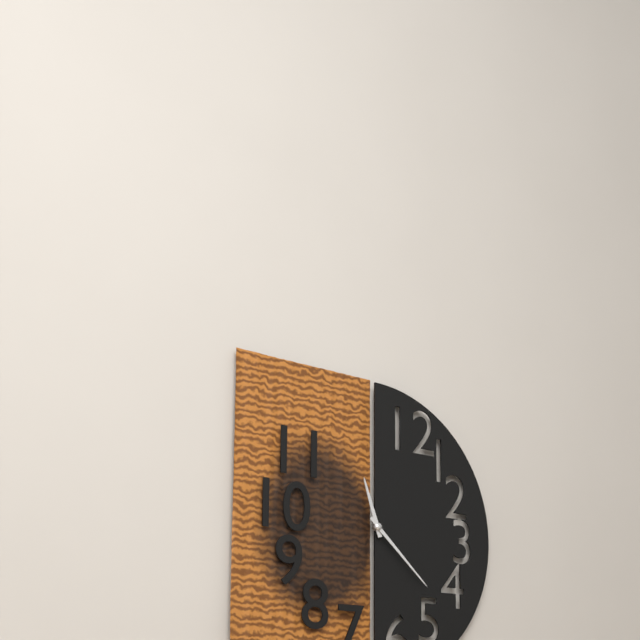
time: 11:22
